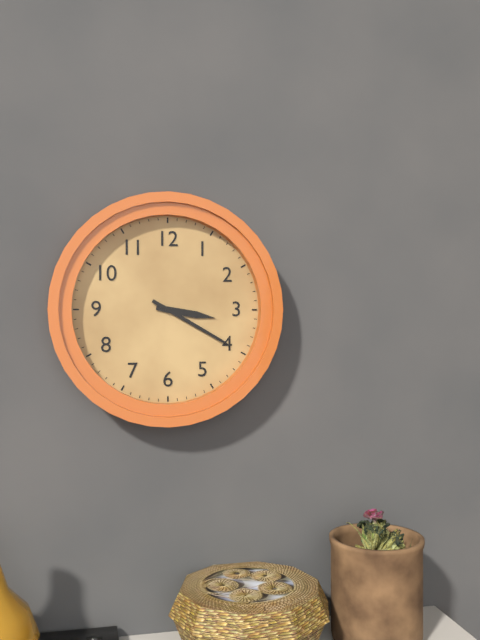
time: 3:20
